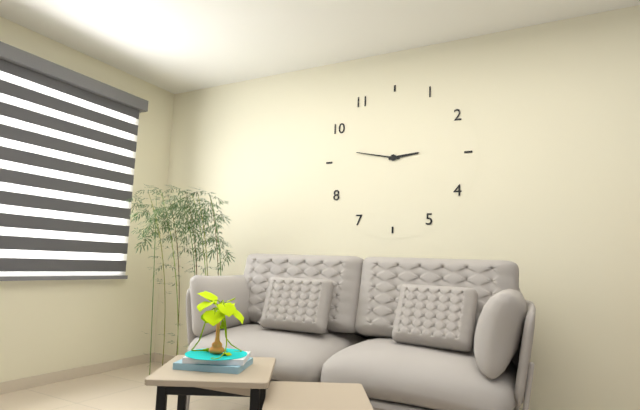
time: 2:47
